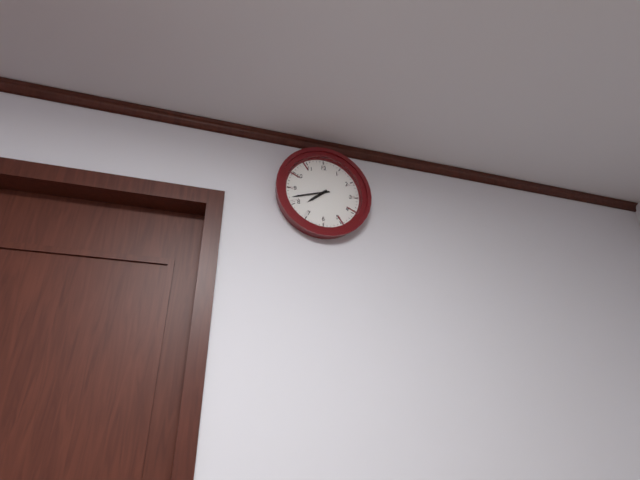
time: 7:42
